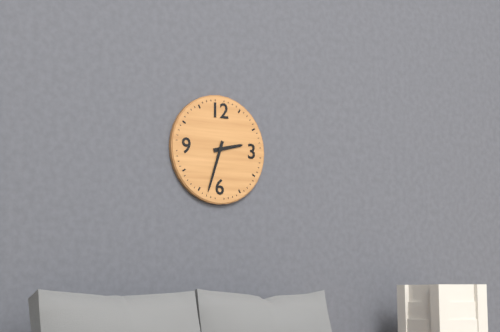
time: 2:33
